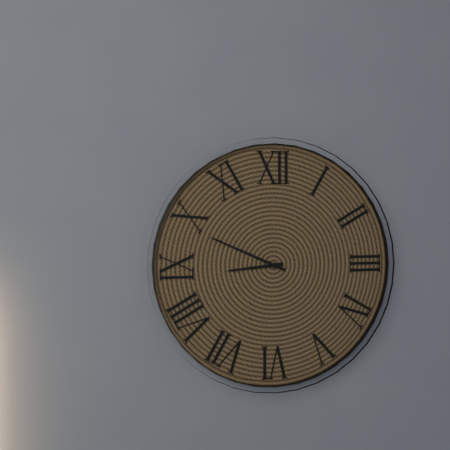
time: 8:49
